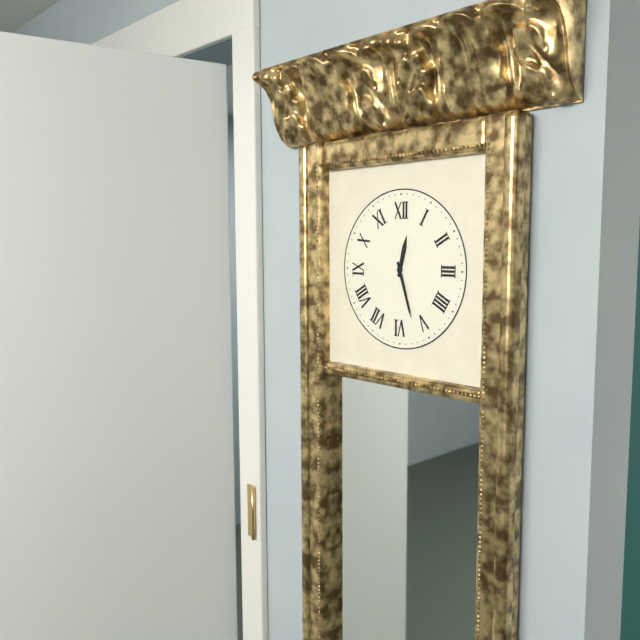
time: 12:27
